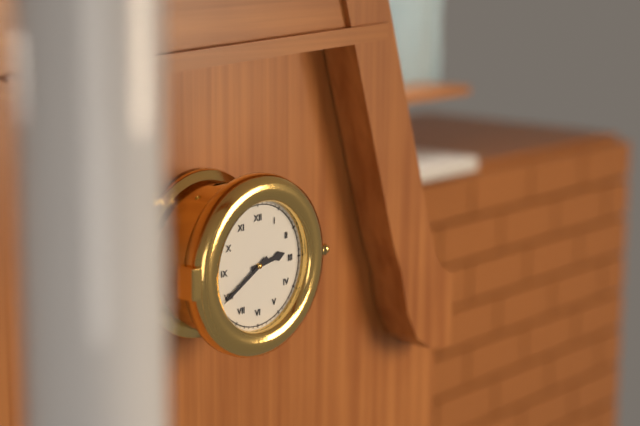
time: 2:40
